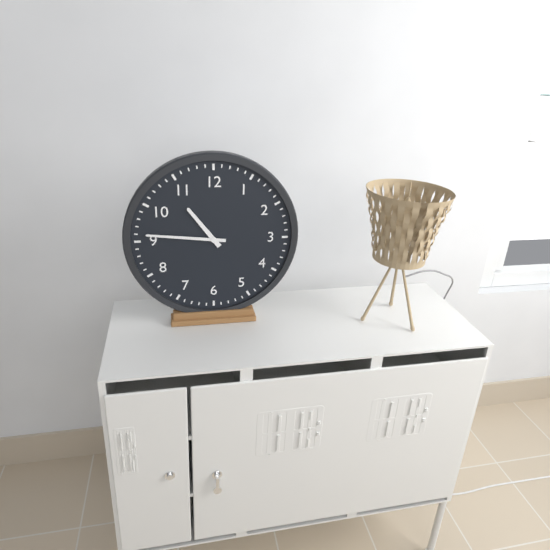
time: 10:46
